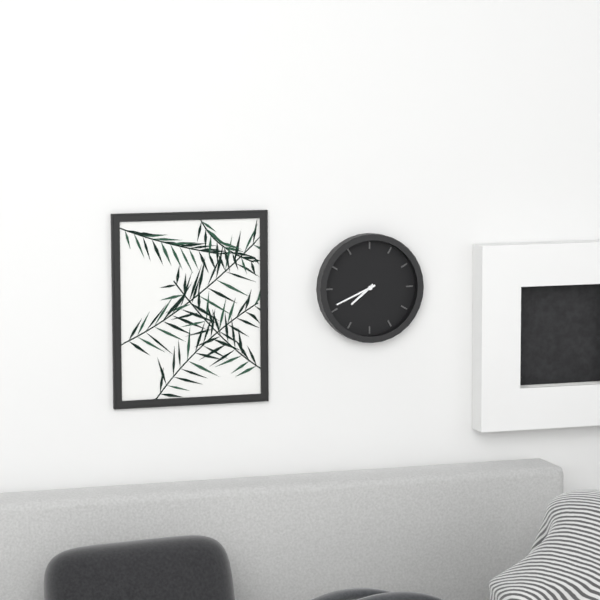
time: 7:41
